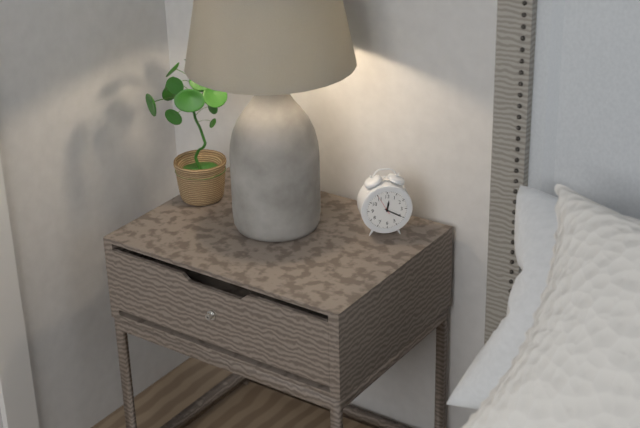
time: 12:20
